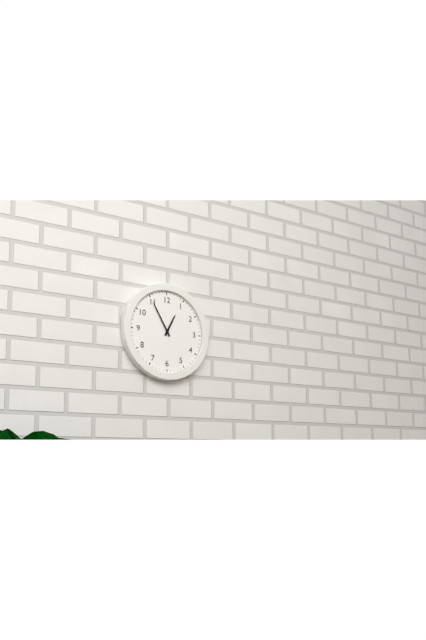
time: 12:55
